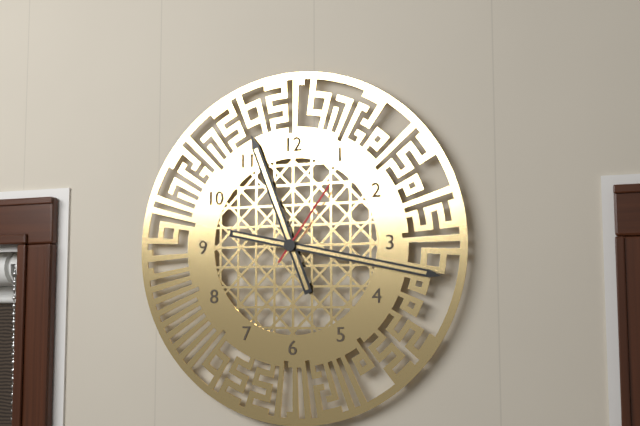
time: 11:17:06
